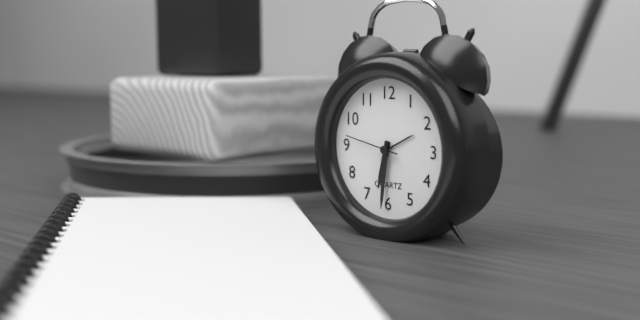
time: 6:31:47
